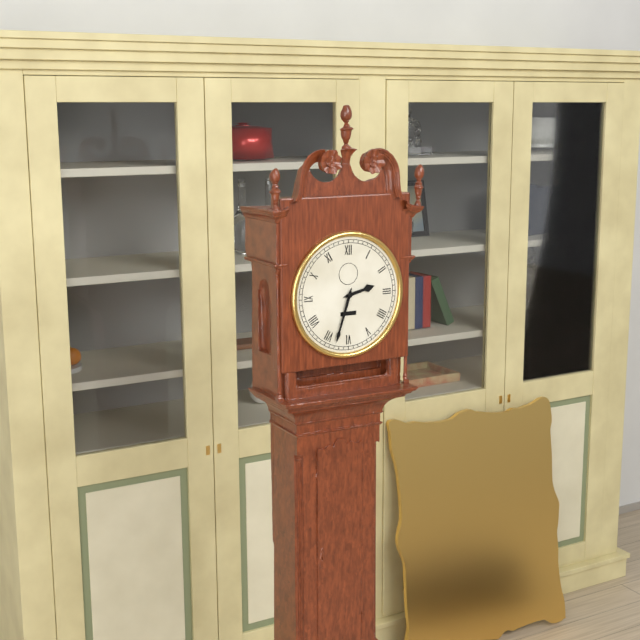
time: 2:33
